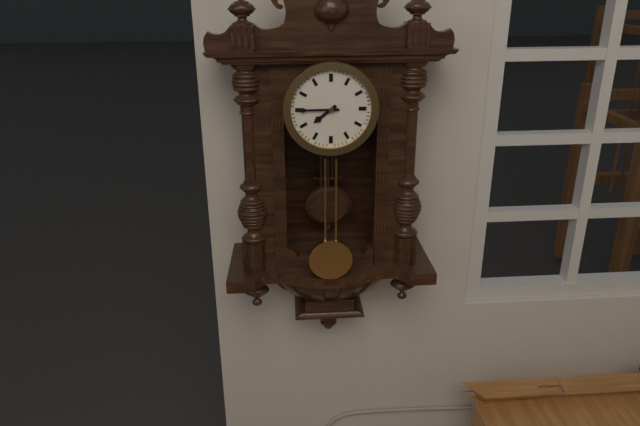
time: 7:45
